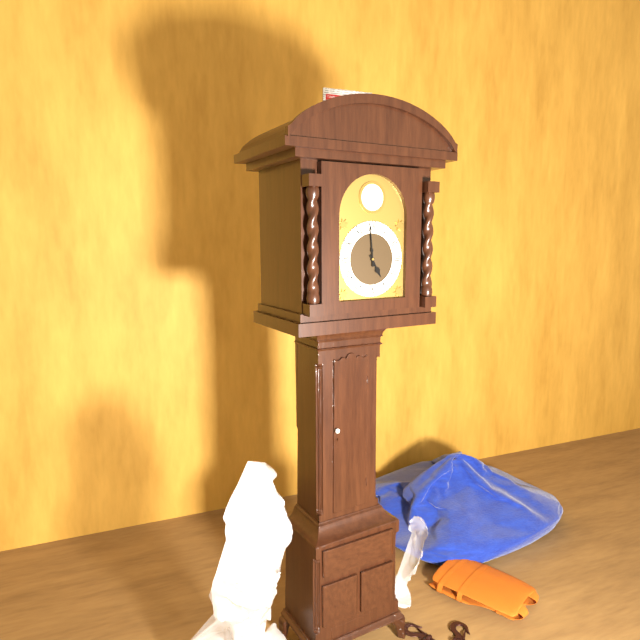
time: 4:59
